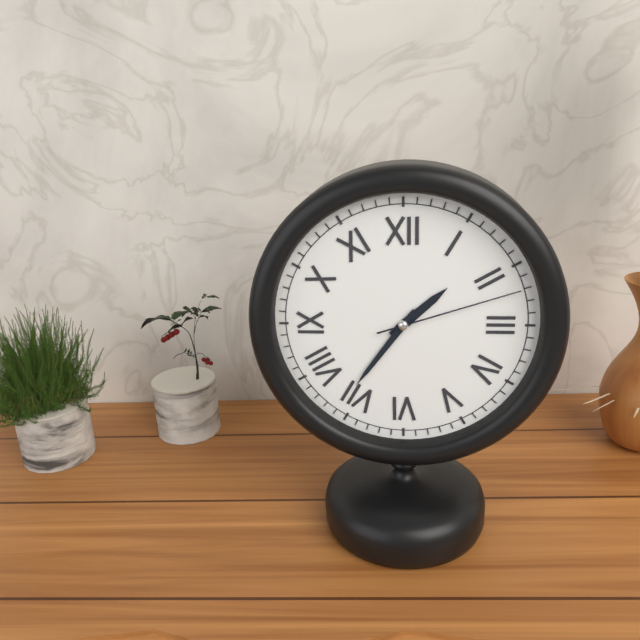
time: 1:36:12
